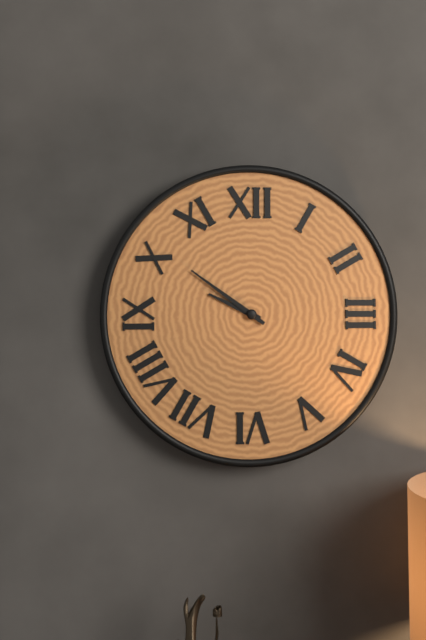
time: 9:51
